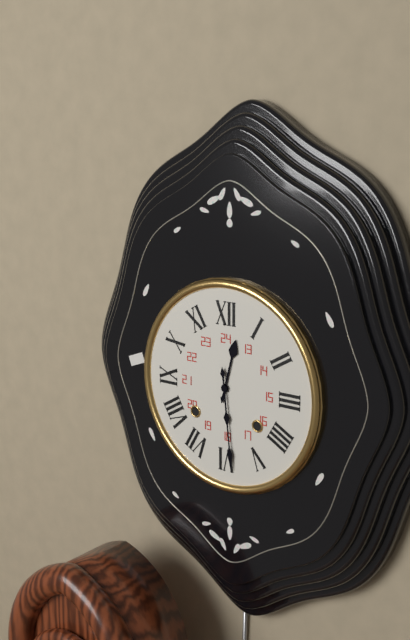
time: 12:29
